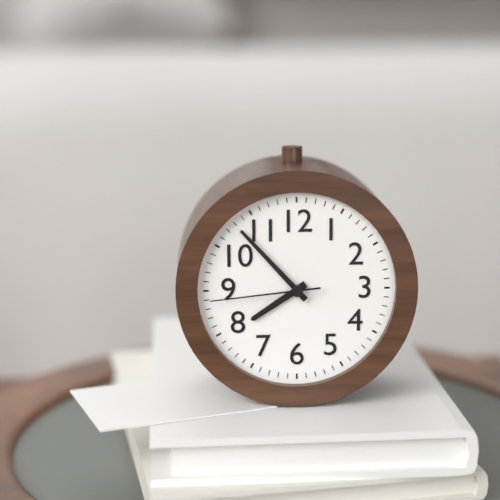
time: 7:53:44
